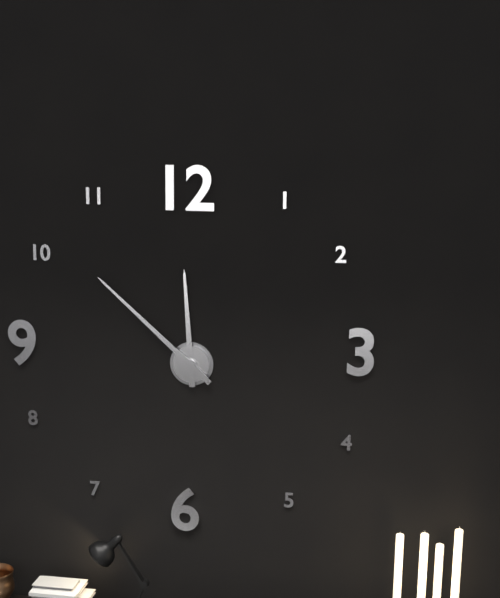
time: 11:52
